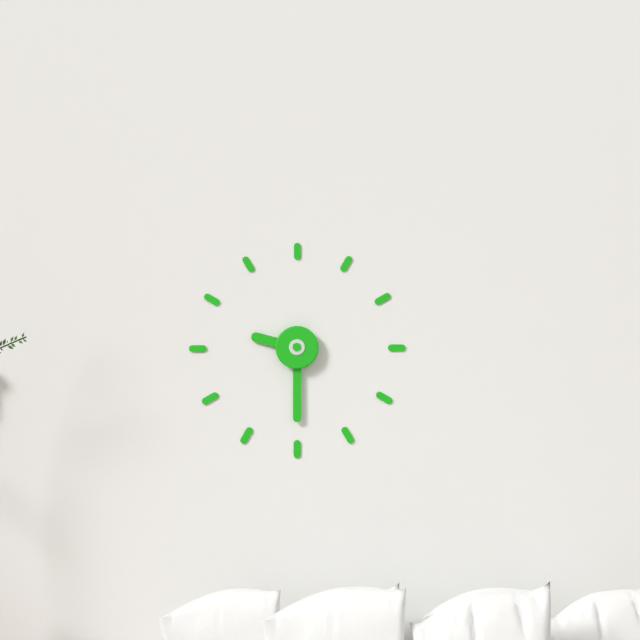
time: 9:30
